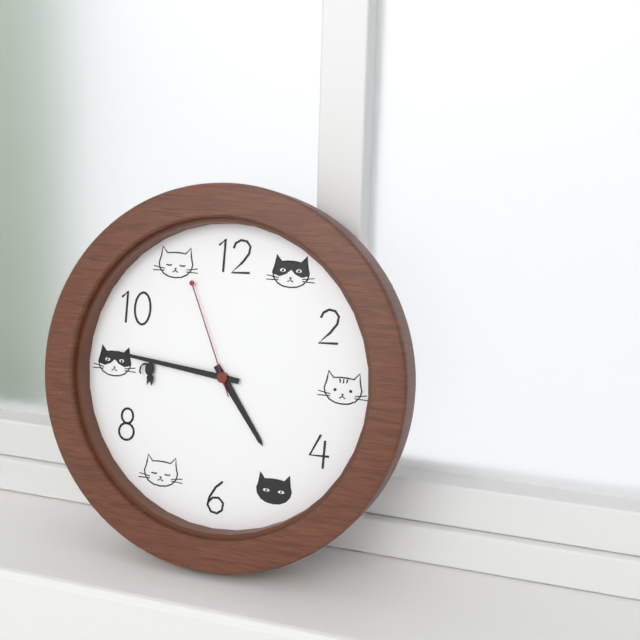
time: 4:46:56
